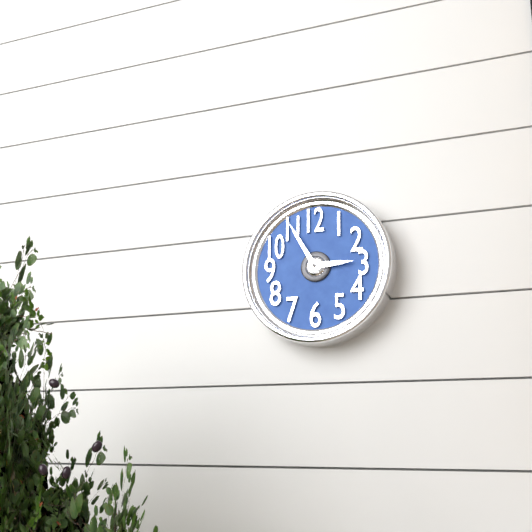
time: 2:55
